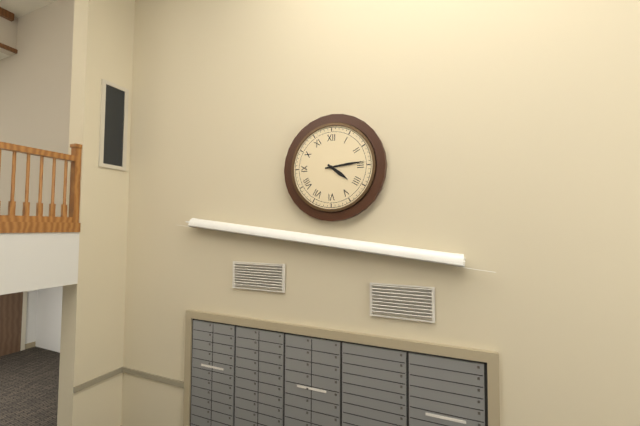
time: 4:14
